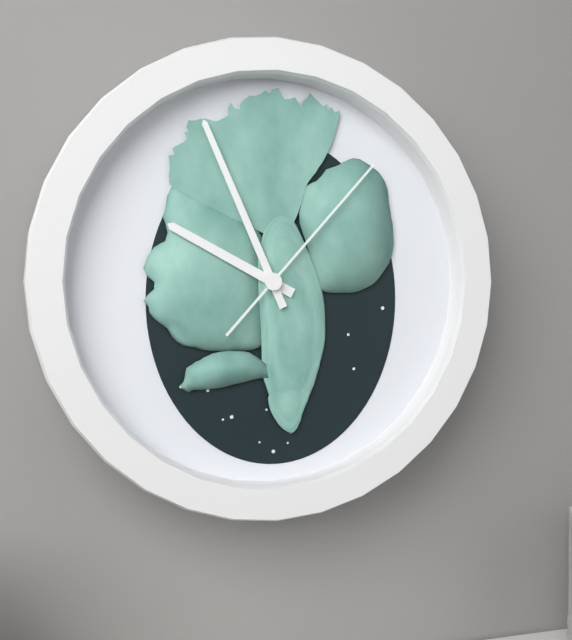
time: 9:56:07
